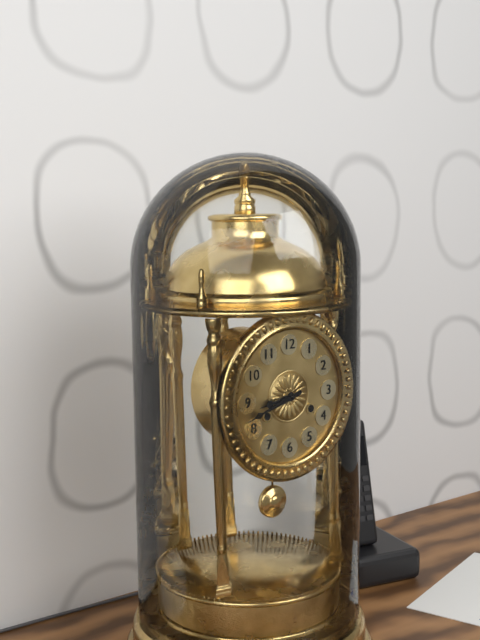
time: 8:42
